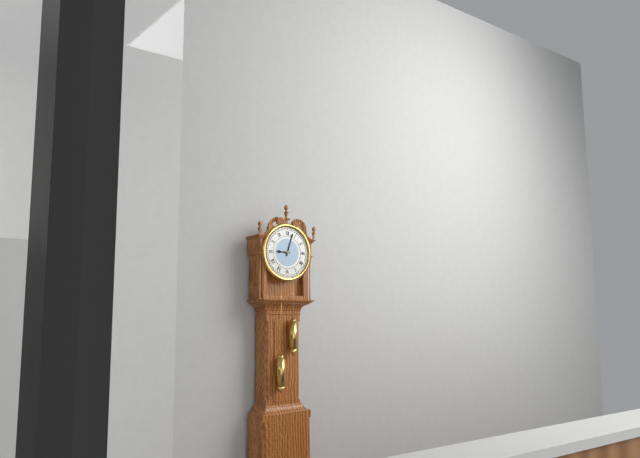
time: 9:03
